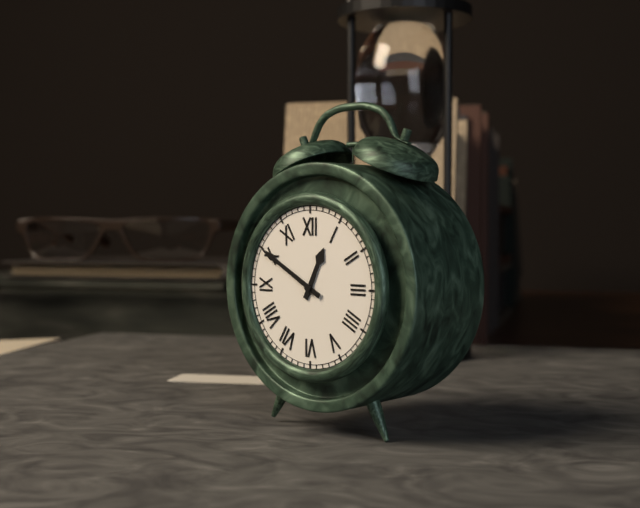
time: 12:50
